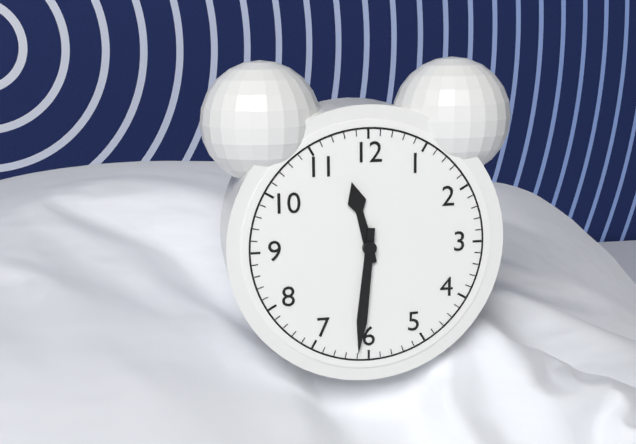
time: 11:31
